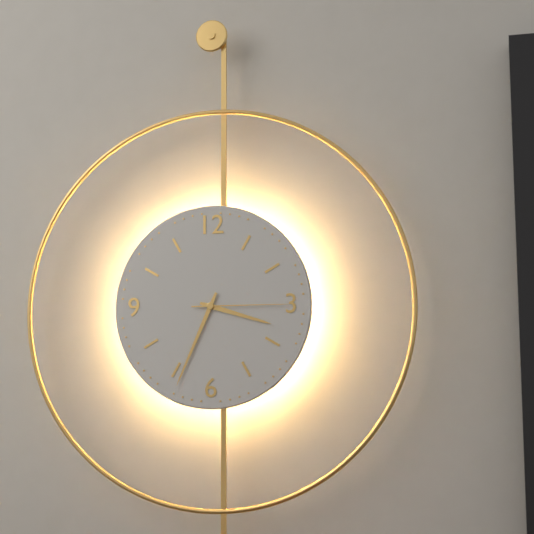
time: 3:34:15
